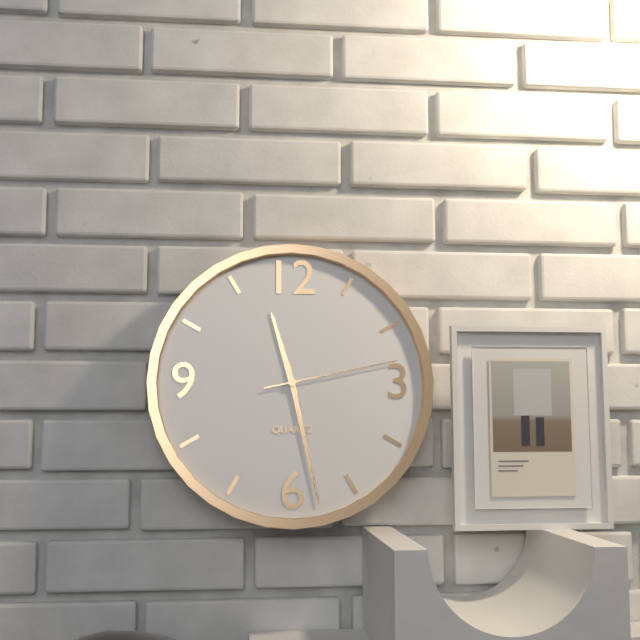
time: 11:28:13
